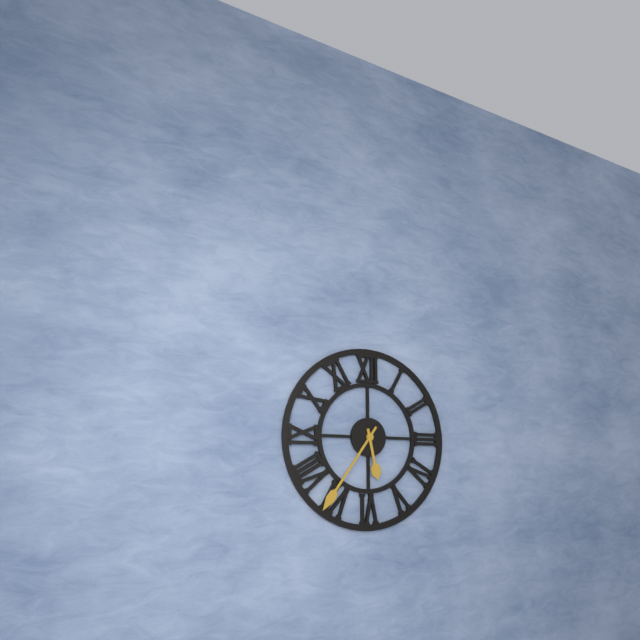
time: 5:36
